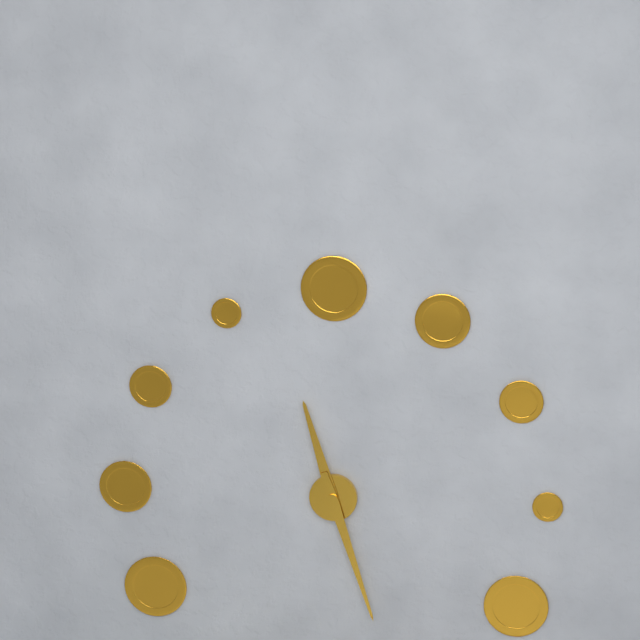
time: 11:27
